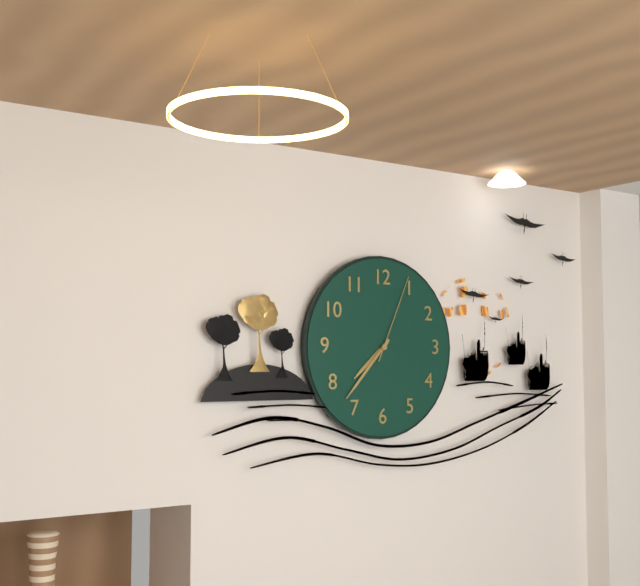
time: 7:37:04
